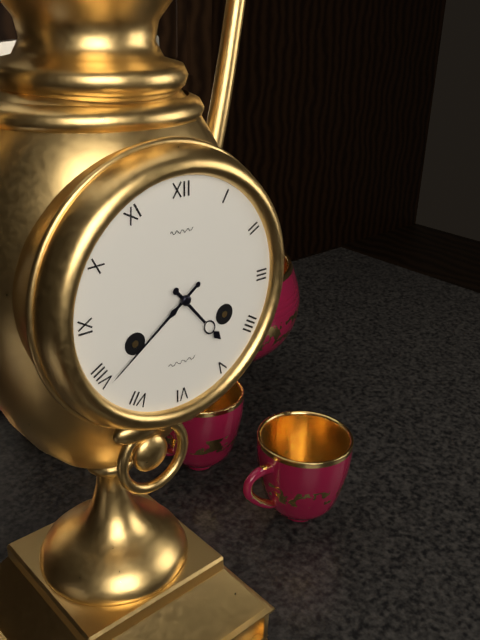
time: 4:39
